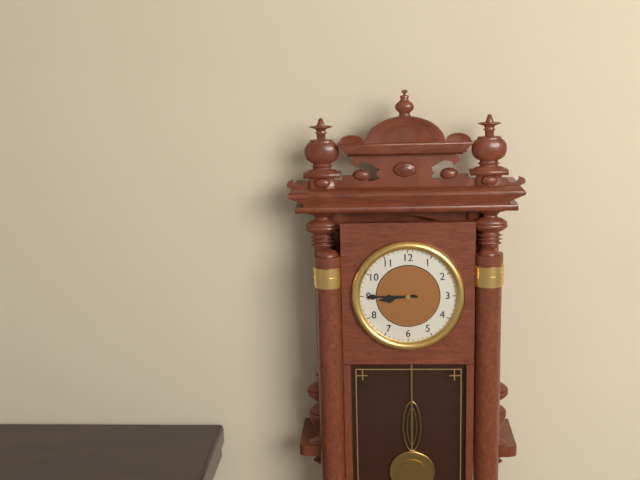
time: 8:45
